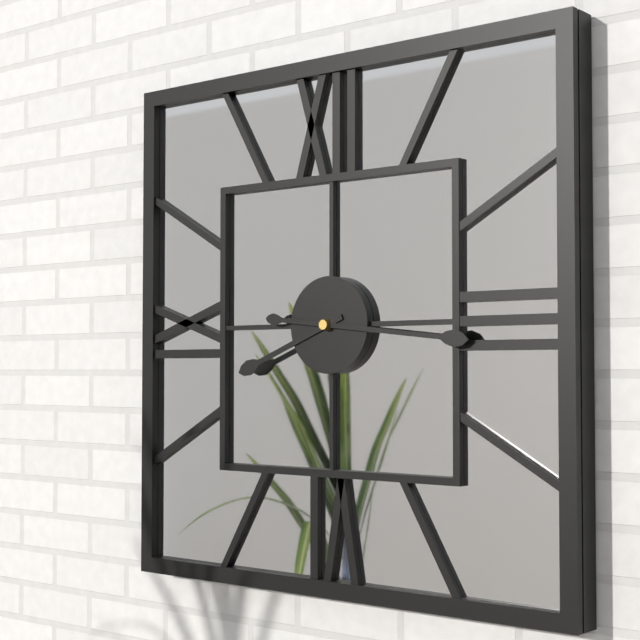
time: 8:16
